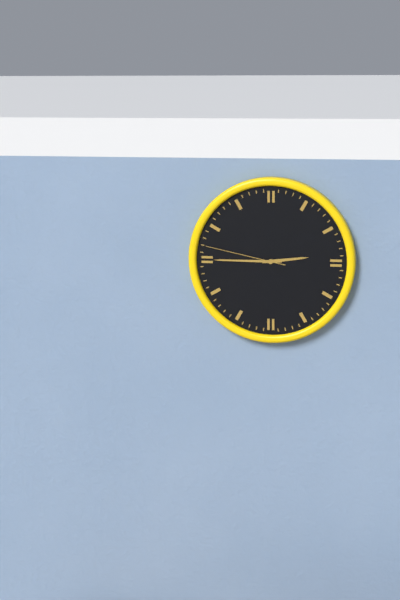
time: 2:45:47
